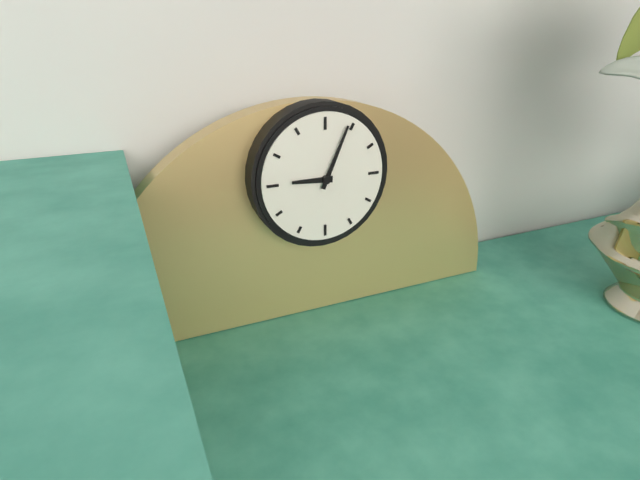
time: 9:04
